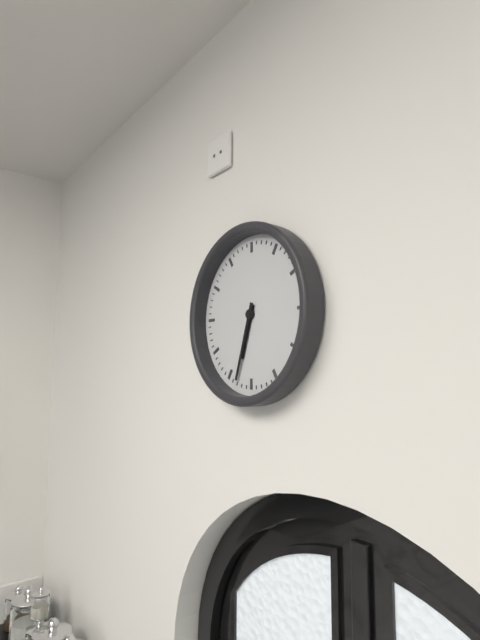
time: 6:33
